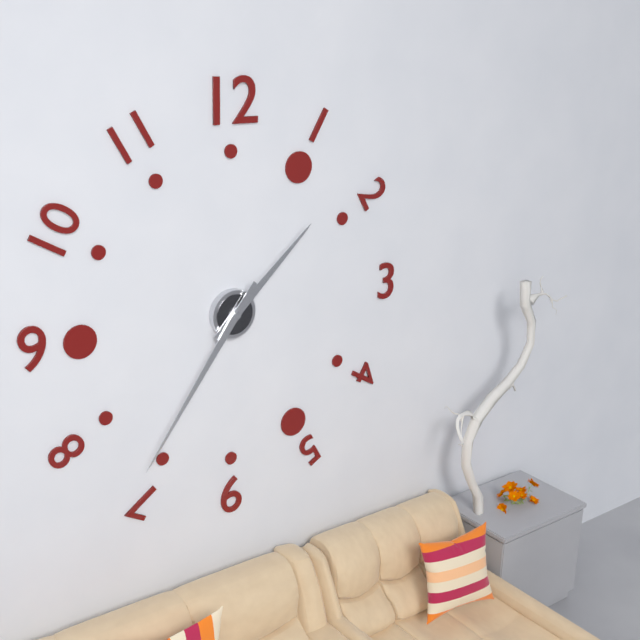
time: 1:36
